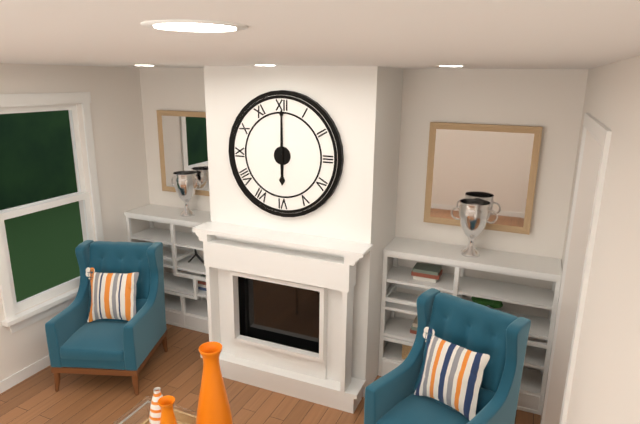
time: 6:00
